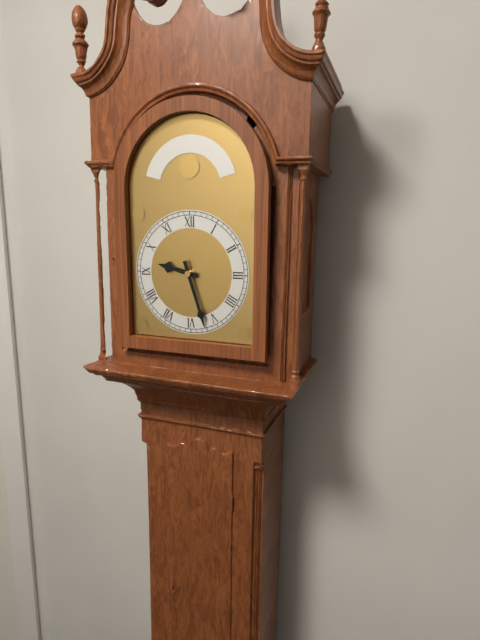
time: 9:27
